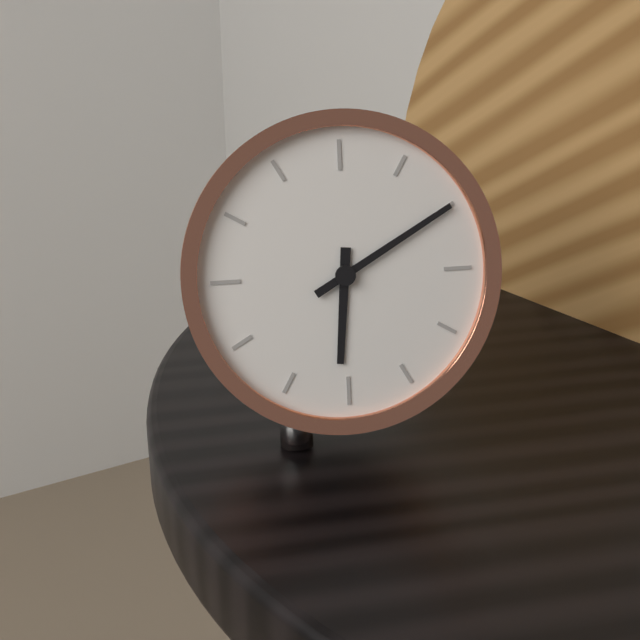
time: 6:10
